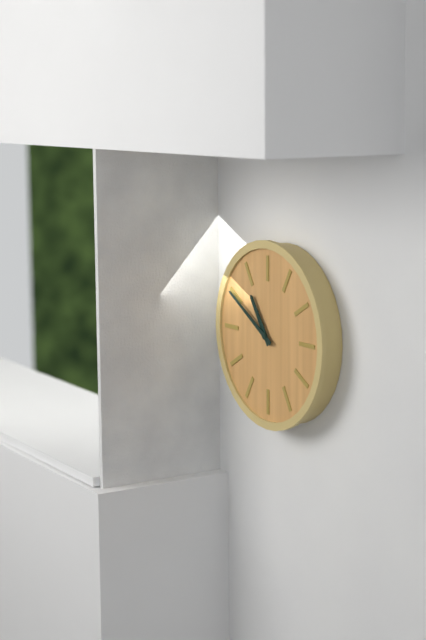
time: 10:50
